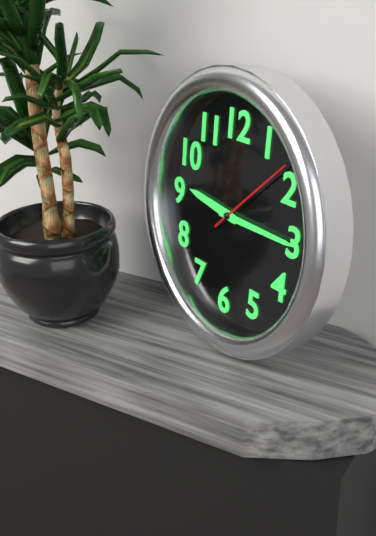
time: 9:15:08
